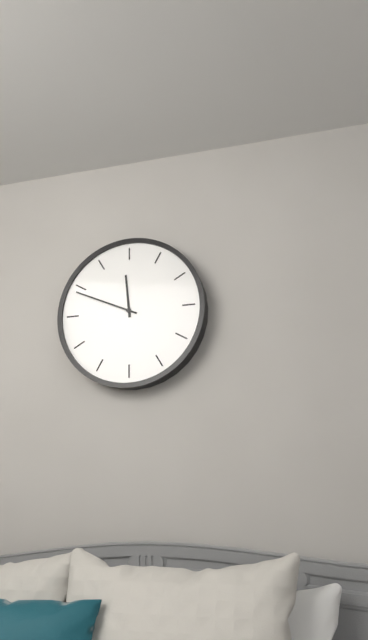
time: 11:49
